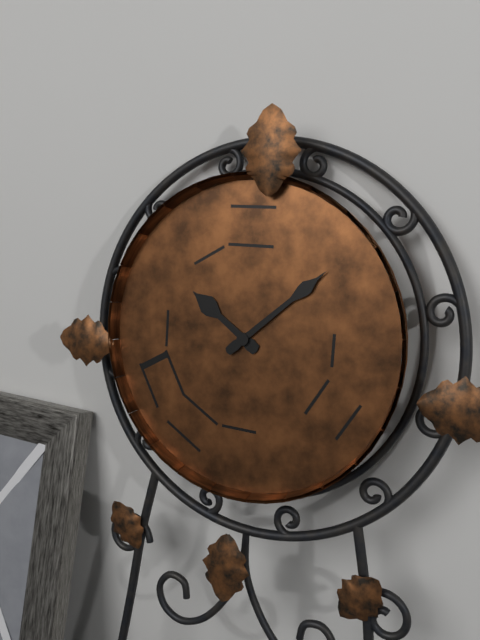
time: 10:08
